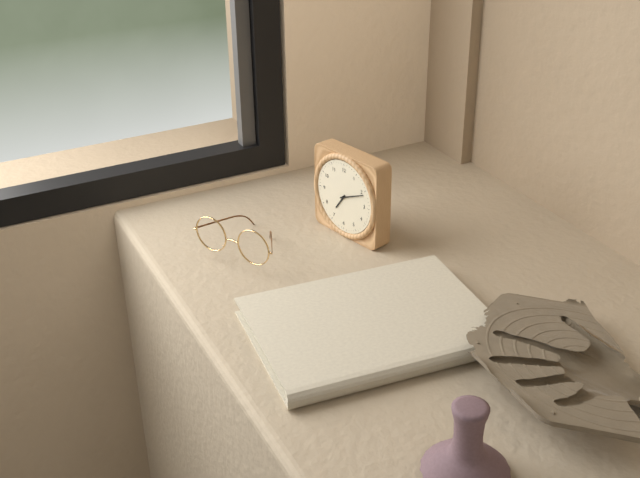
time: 7:11
